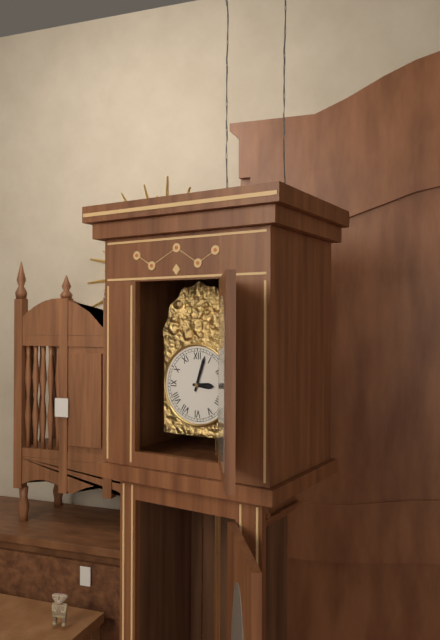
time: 3:03
